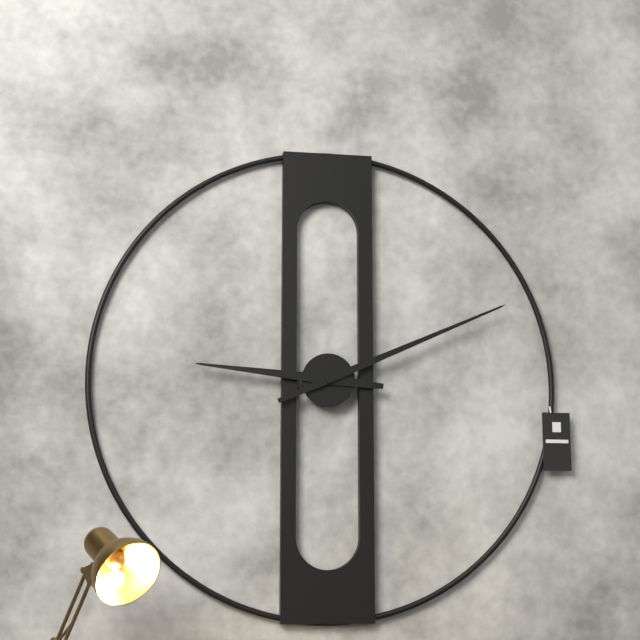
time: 9:11
